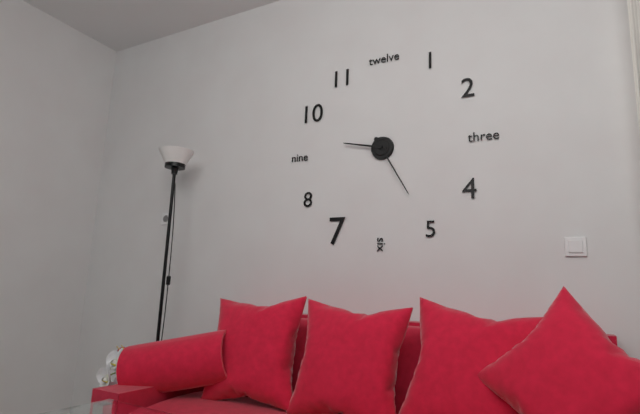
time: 9:25
